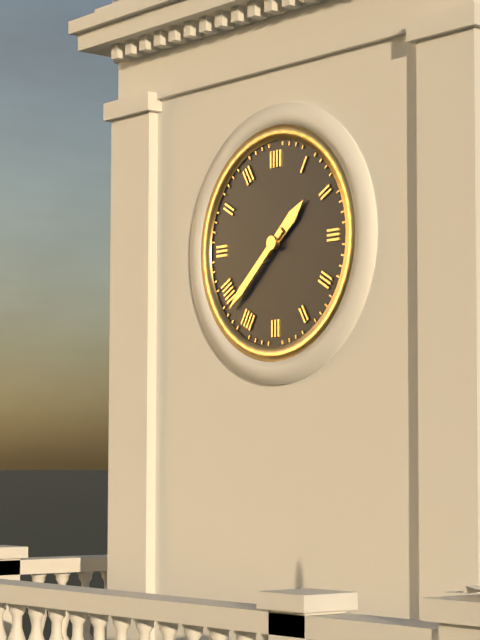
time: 1:38
